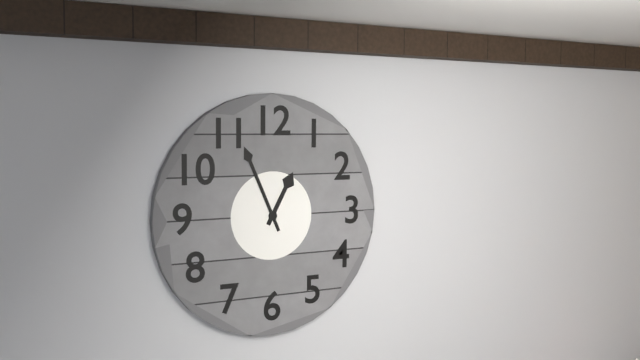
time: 12:56
